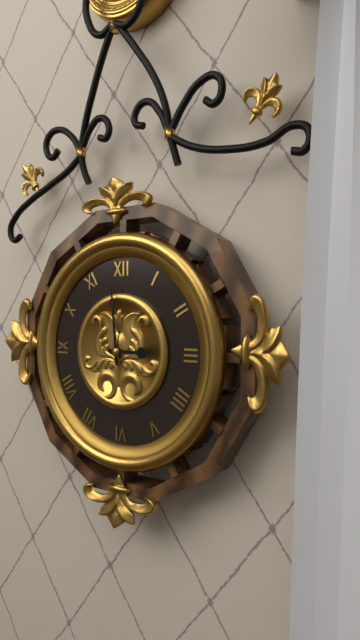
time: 2:59
